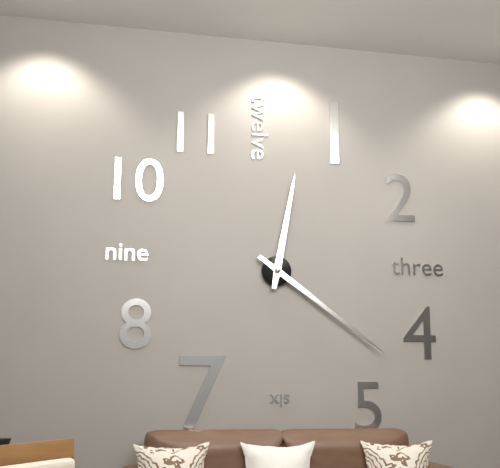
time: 12:21
